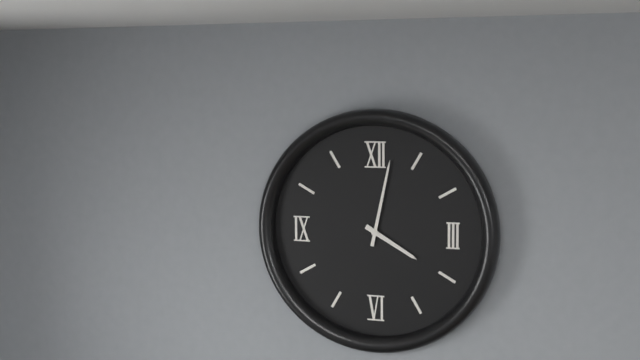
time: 4:02
